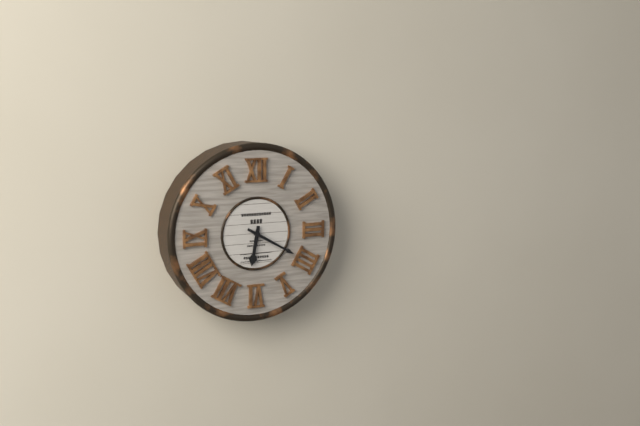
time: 6:20
